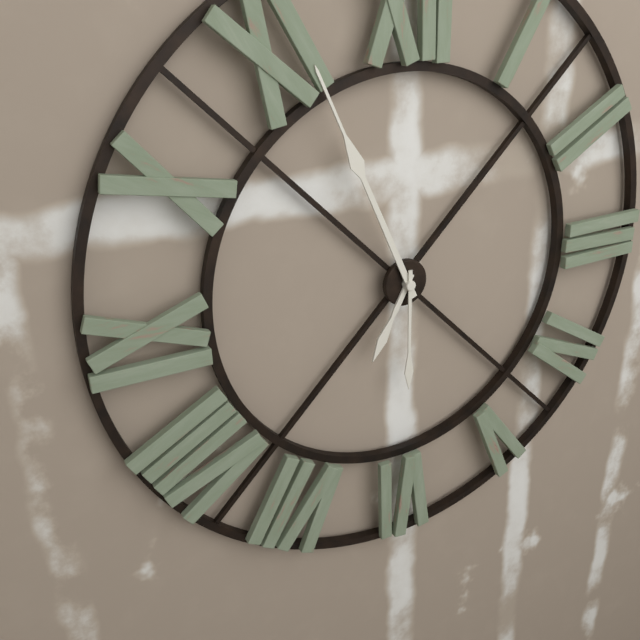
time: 6:56:30
